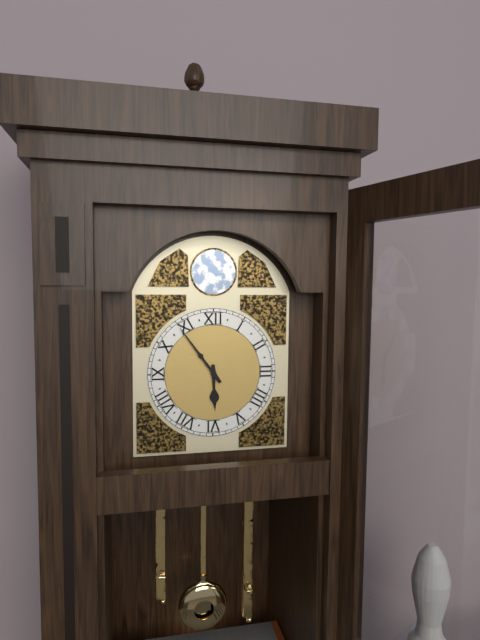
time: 5:54
